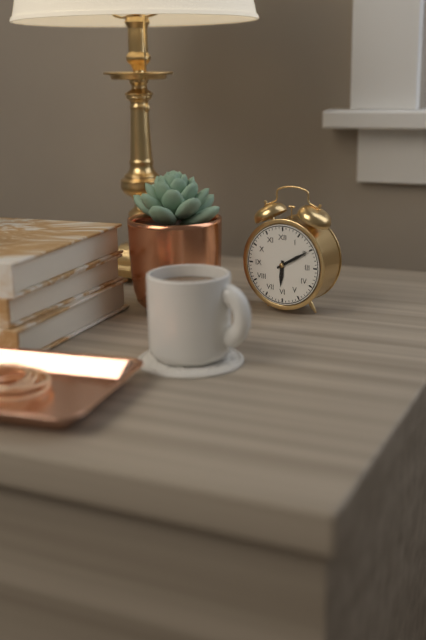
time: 6:10
